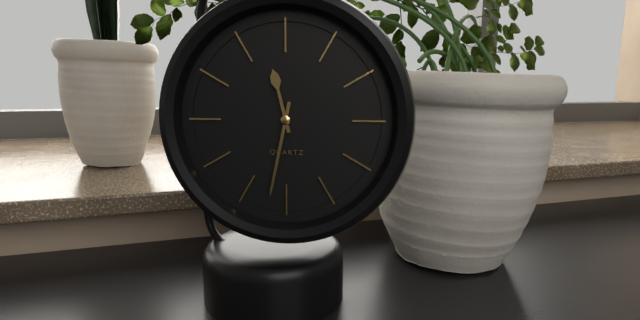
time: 11:32
